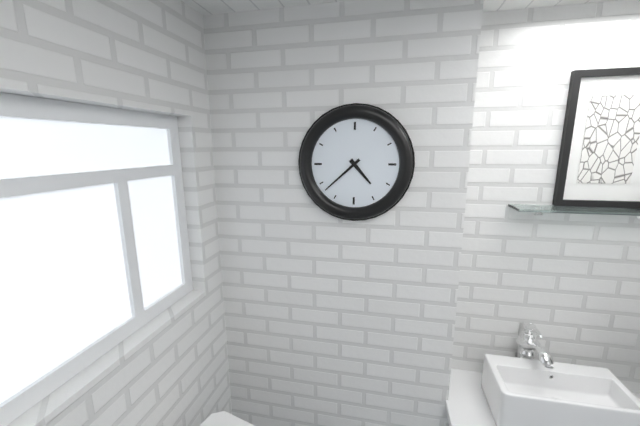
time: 4:38
